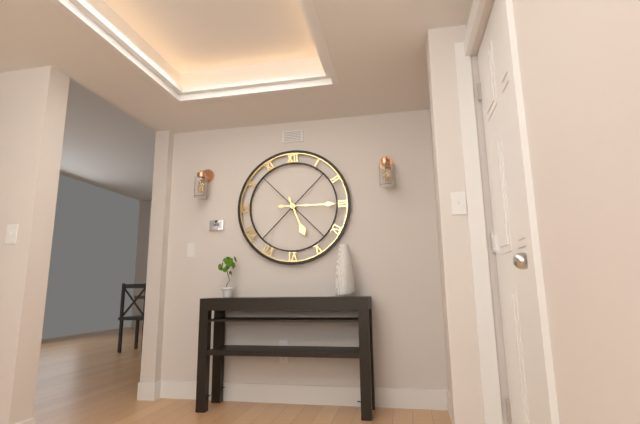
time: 5:15
